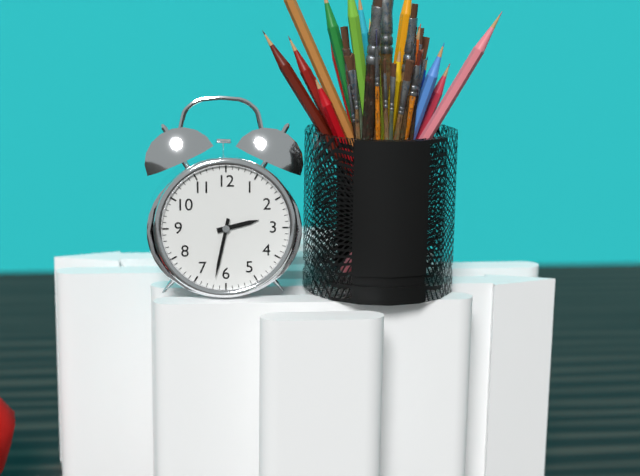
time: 2:32
